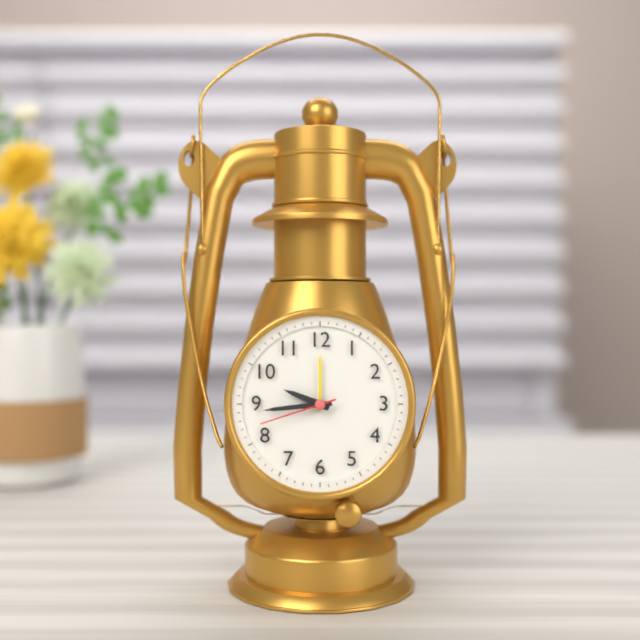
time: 9:44:42
